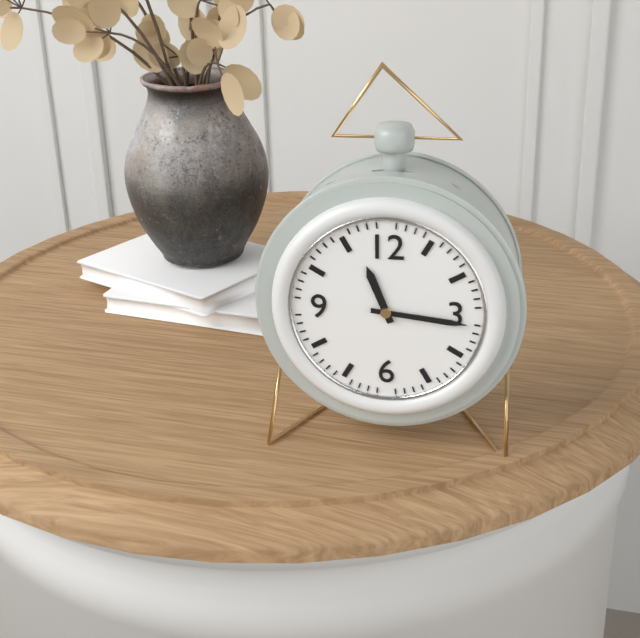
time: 11:16
